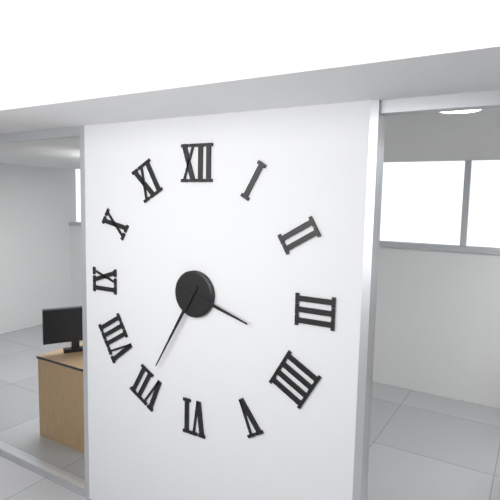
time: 3:35
